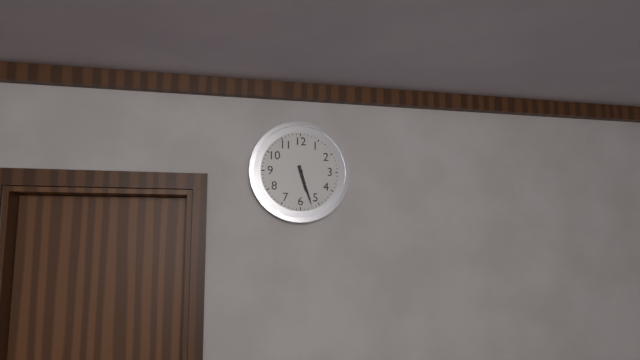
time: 5:27
